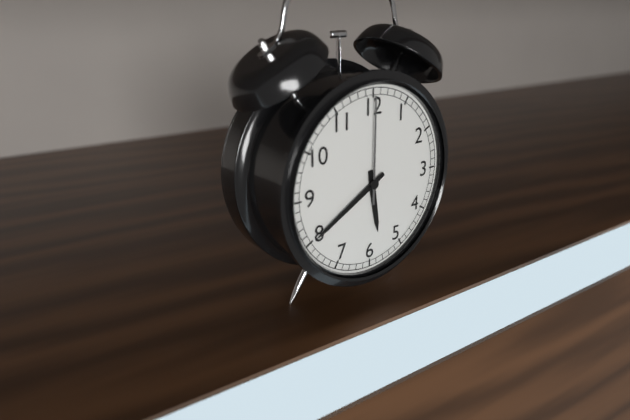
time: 5:40:00
